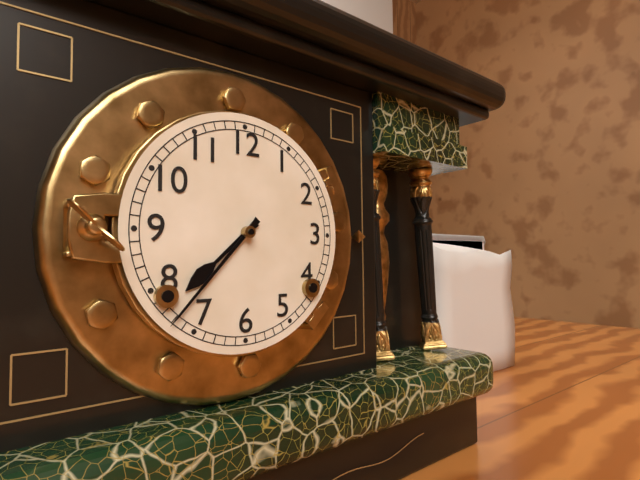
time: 7:37
